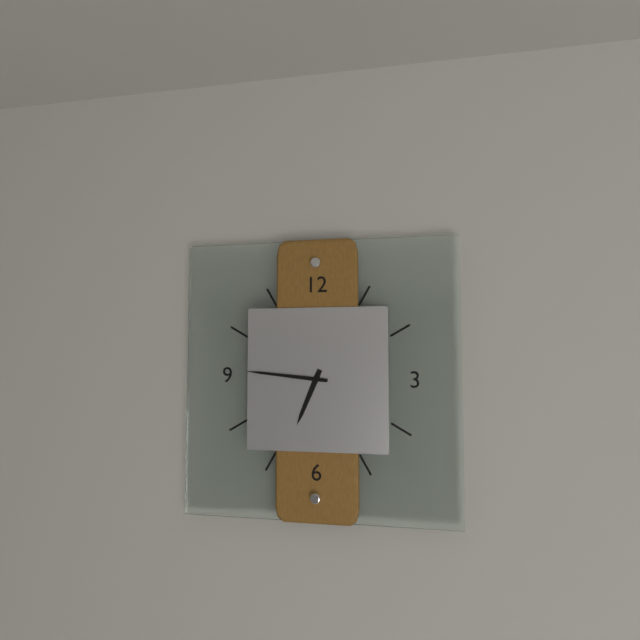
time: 6:46
